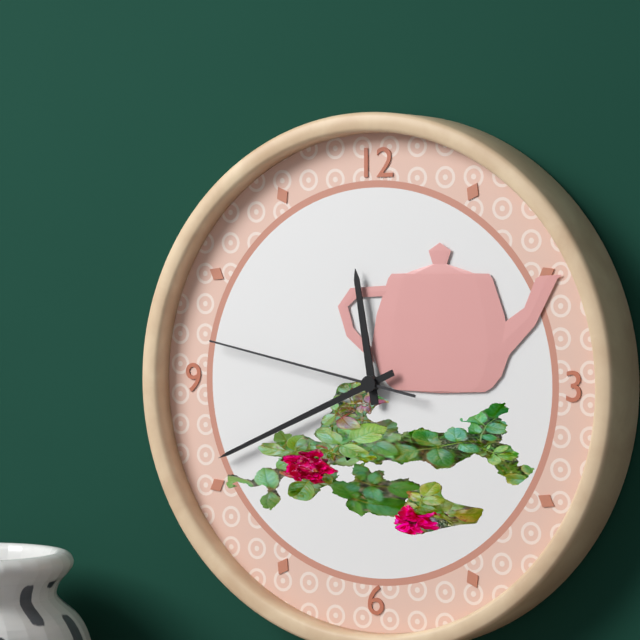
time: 11:41:47
